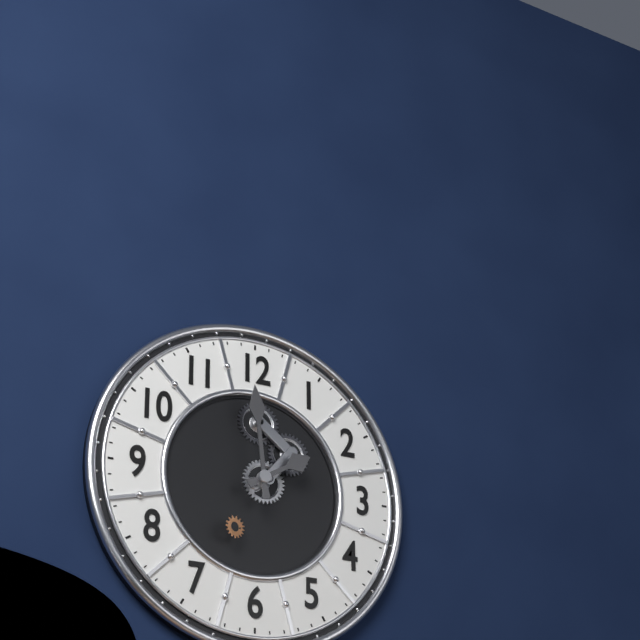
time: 1:59
